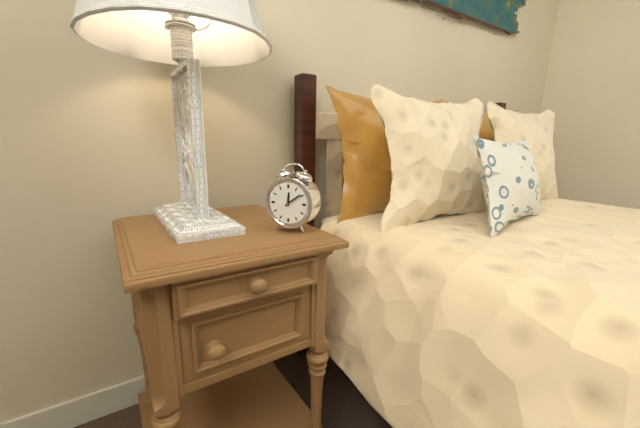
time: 12:09
